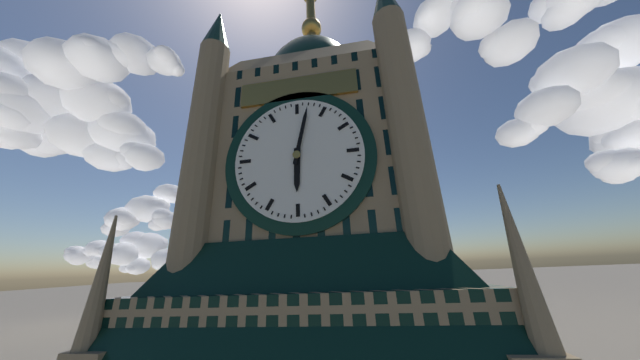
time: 6:02
